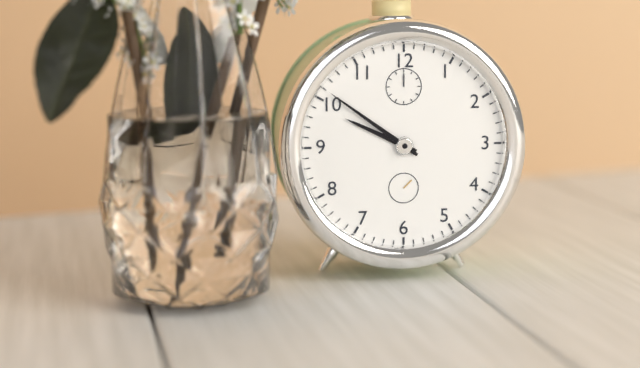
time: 9:51
